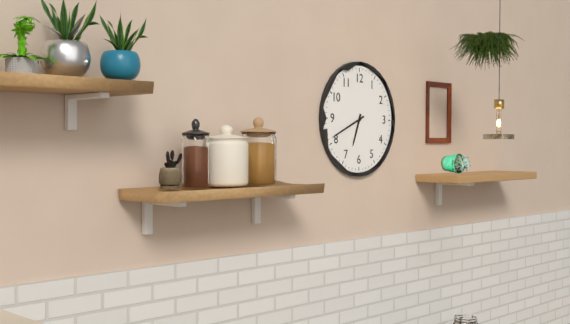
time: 6:41
